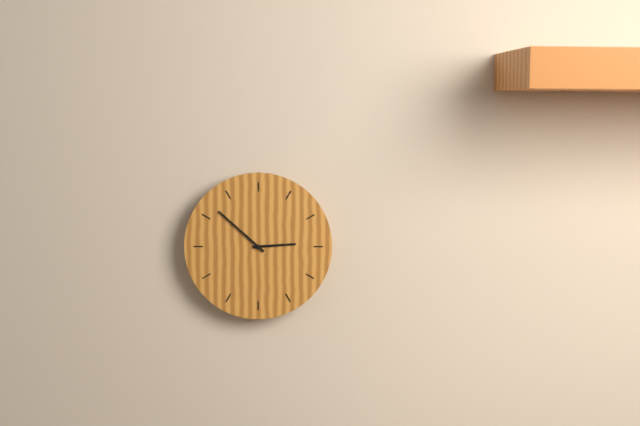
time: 2:52
